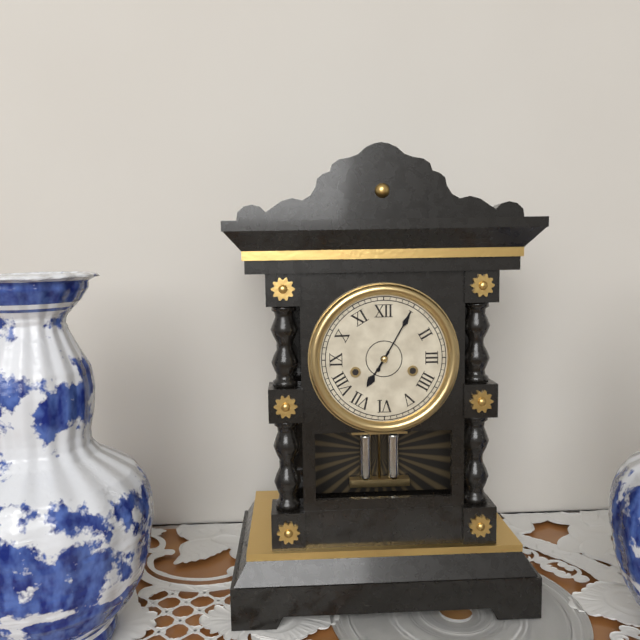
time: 7:05
